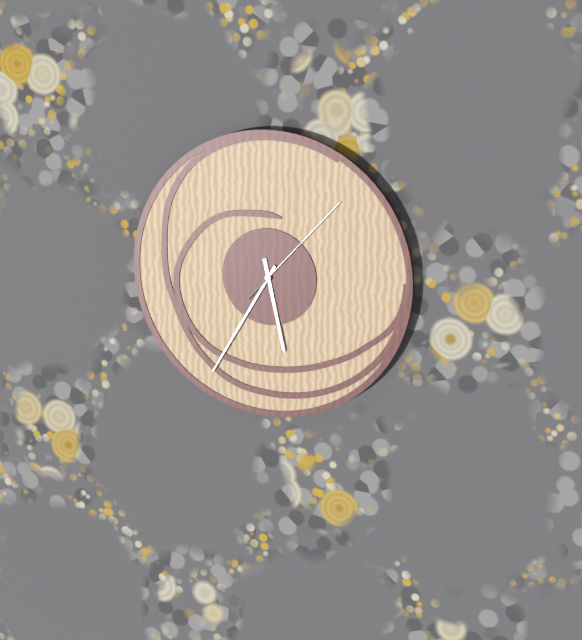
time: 5:35:07
